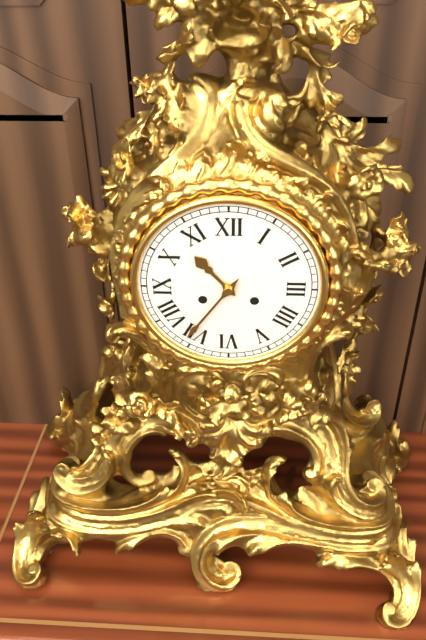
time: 10:36
